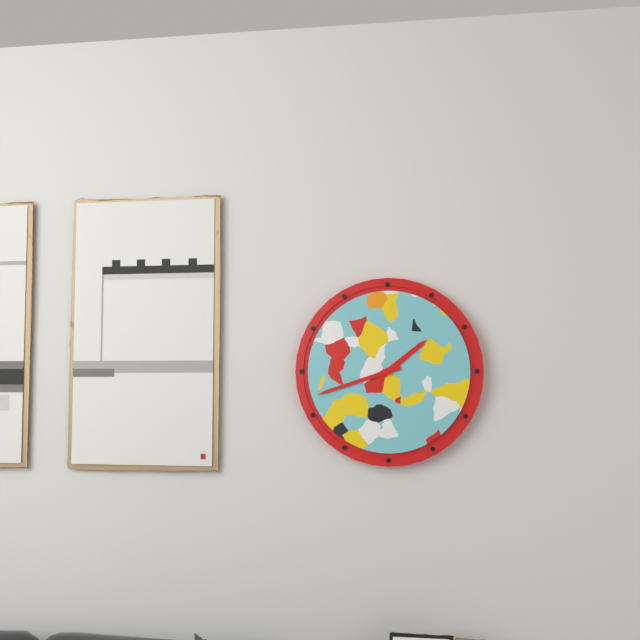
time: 1:42
